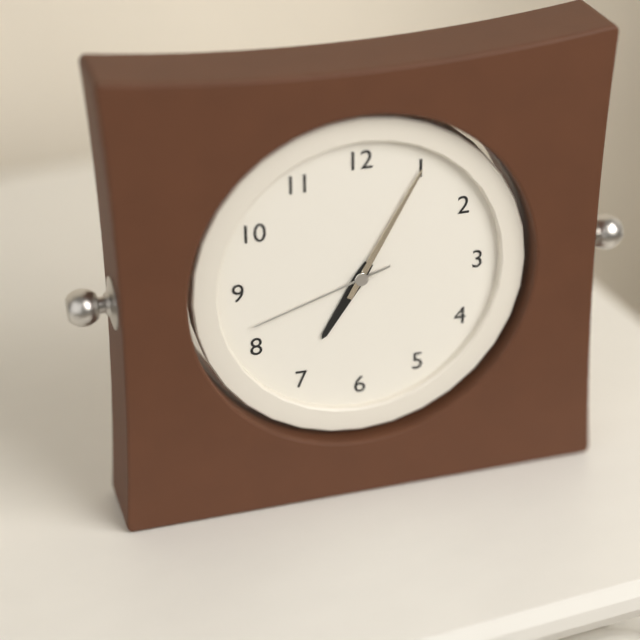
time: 7:05:42
